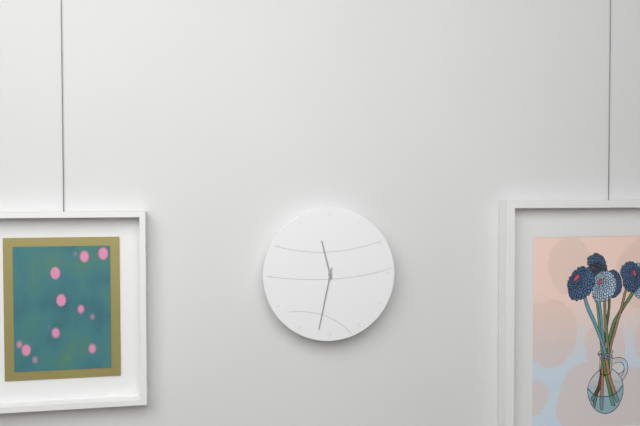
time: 11:32
